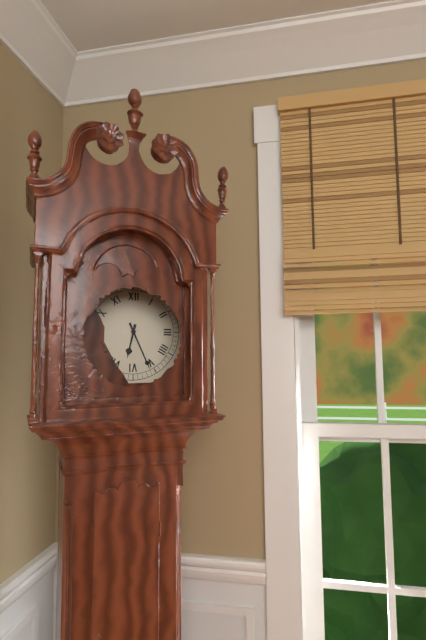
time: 6:26
